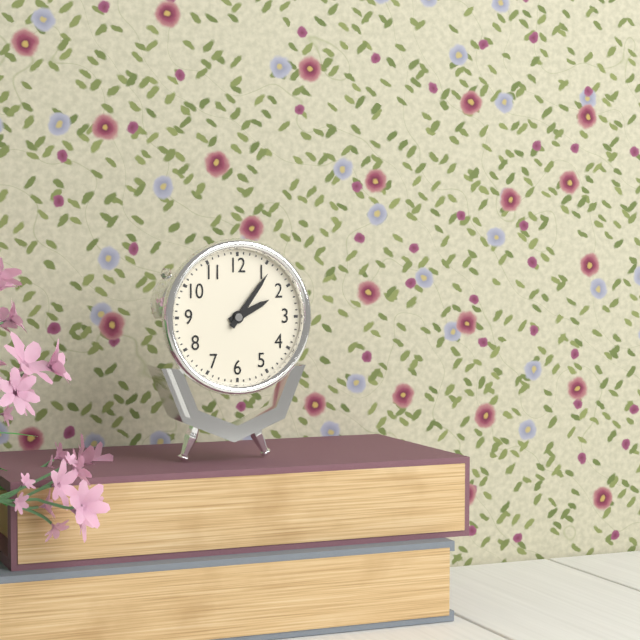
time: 2:06
